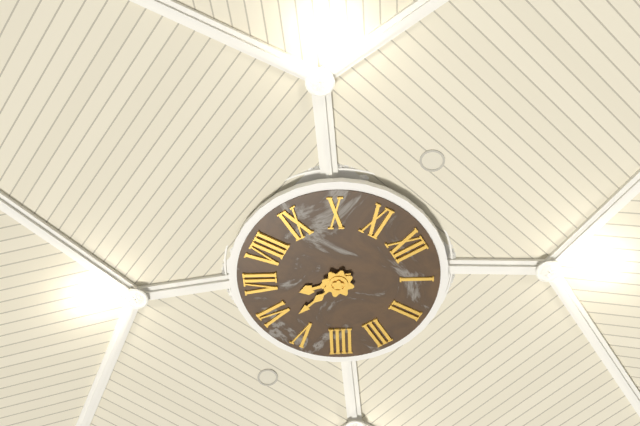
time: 6:28
